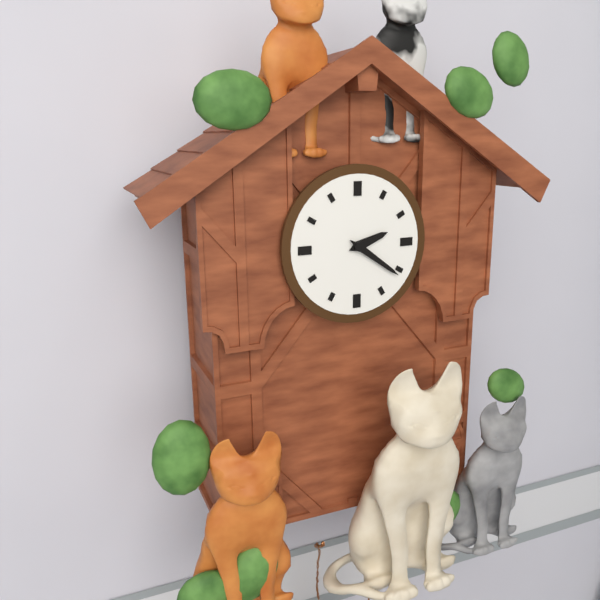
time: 2:21
